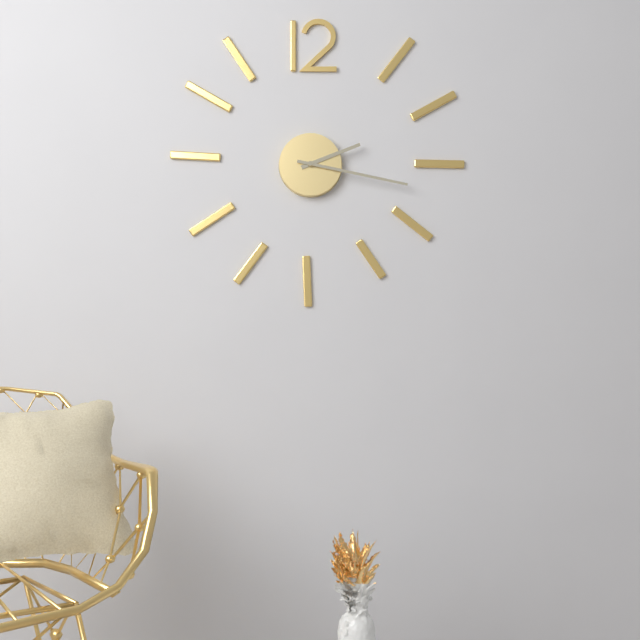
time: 2:17
